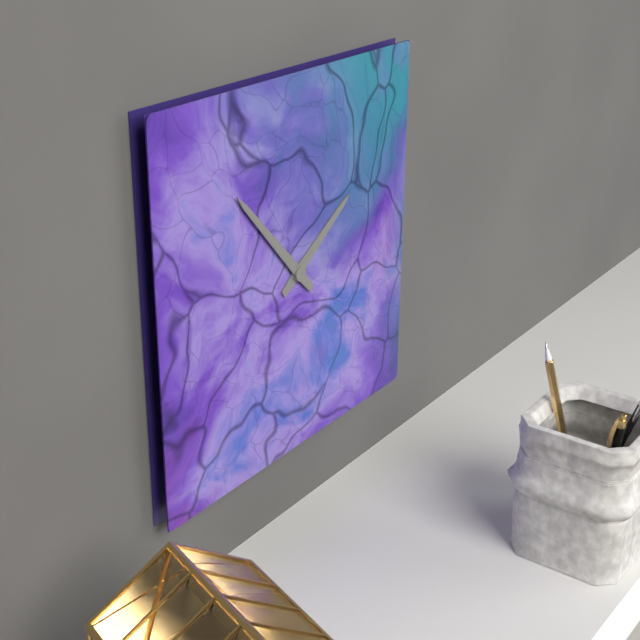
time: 1:53
